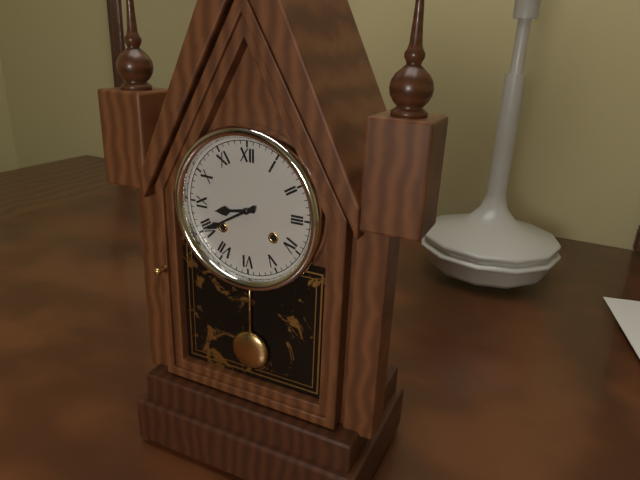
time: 8:40
